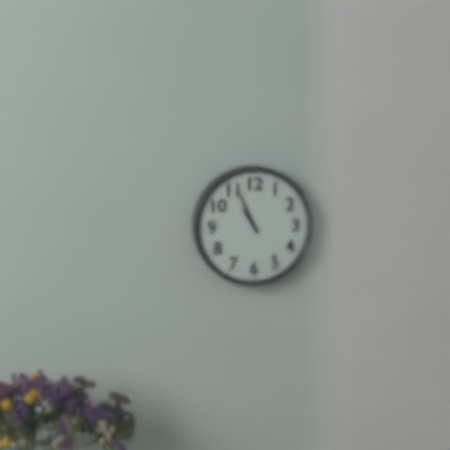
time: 10:56
